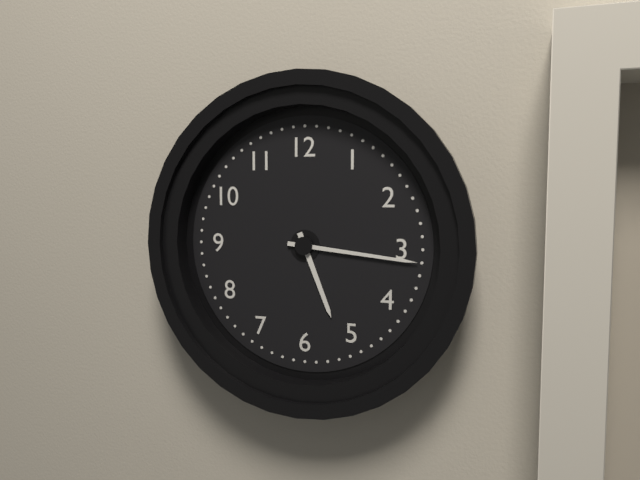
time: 5:16
